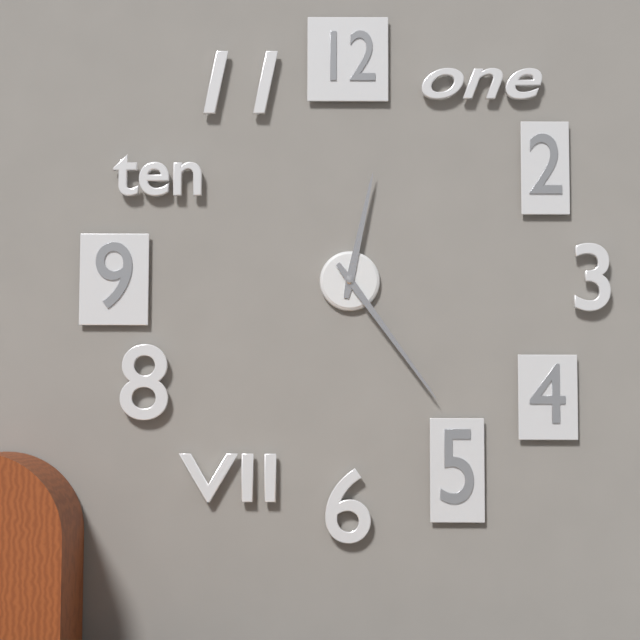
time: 12:24
